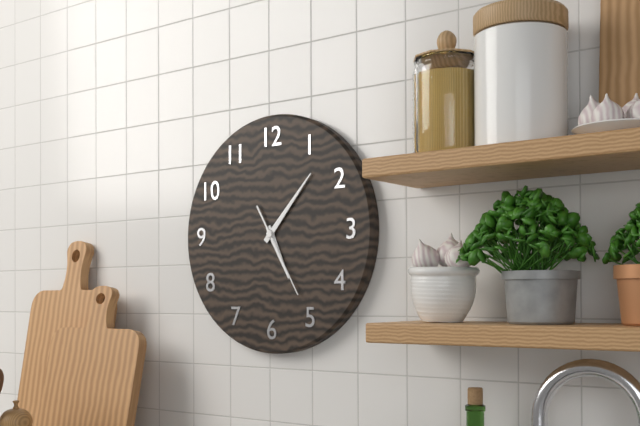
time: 5:07:25
